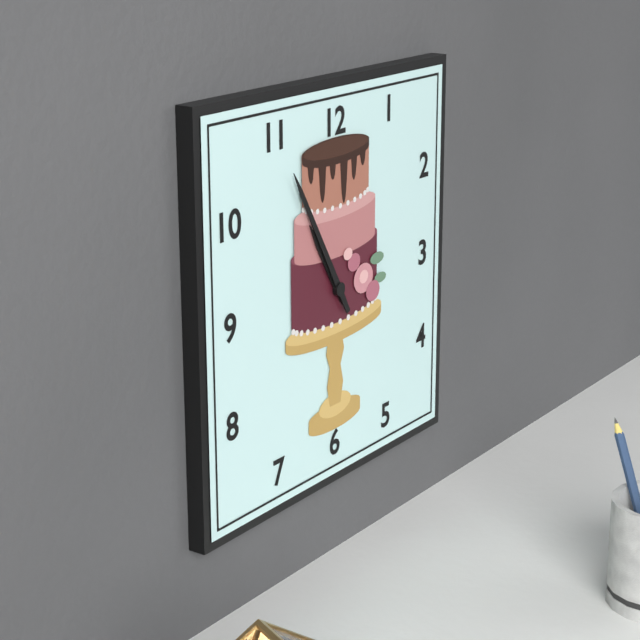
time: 10:55
